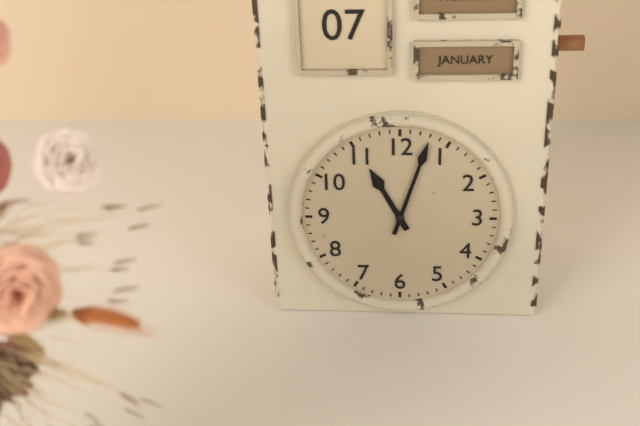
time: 11:03
